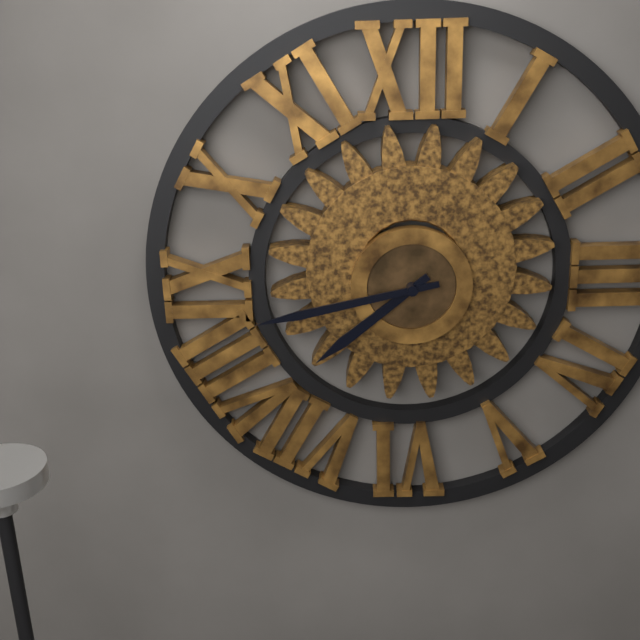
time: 7:43
